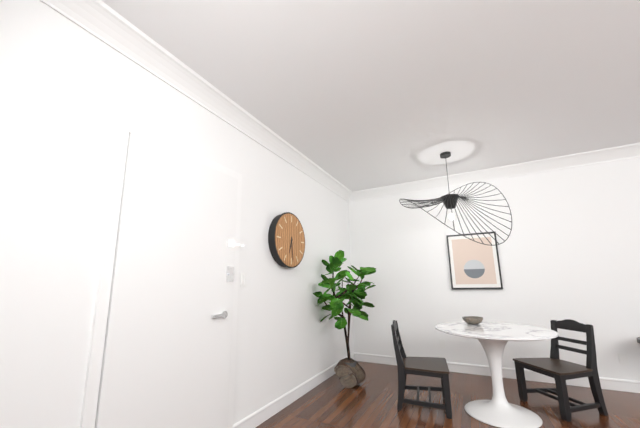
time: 6:29
